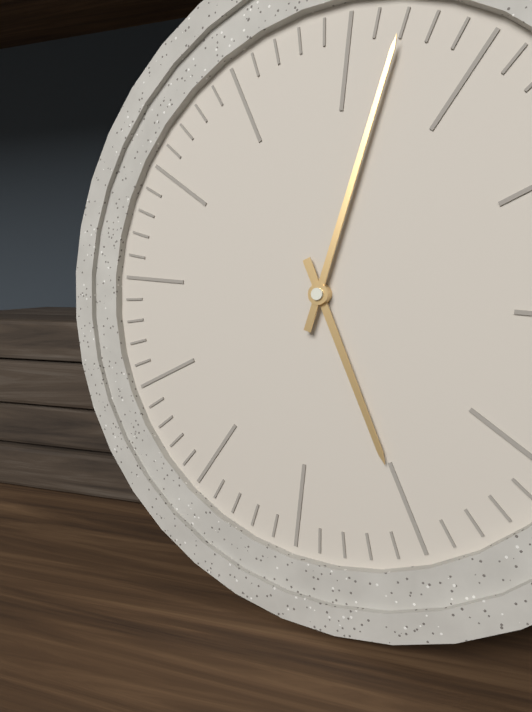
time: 5:02
